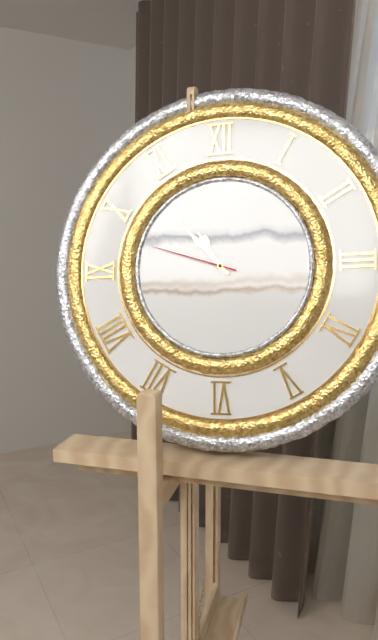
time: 10:53:48
